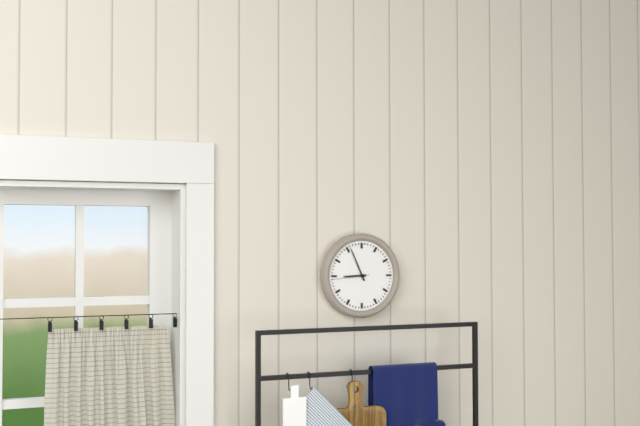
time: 8:56
